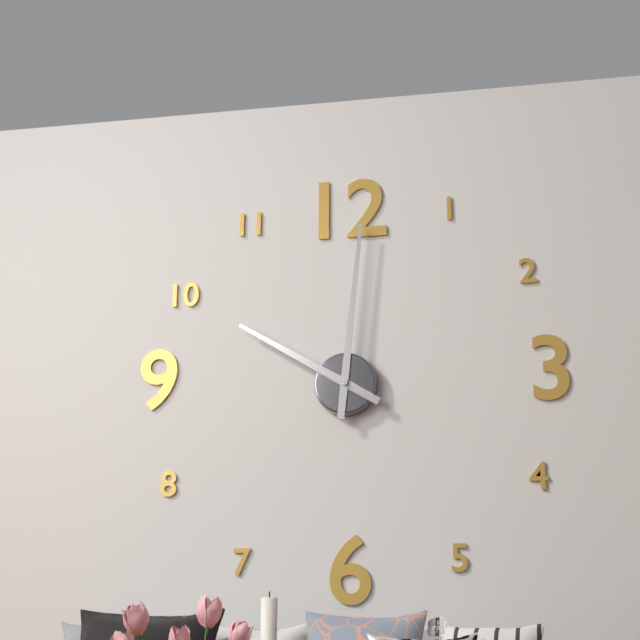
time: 10:01
